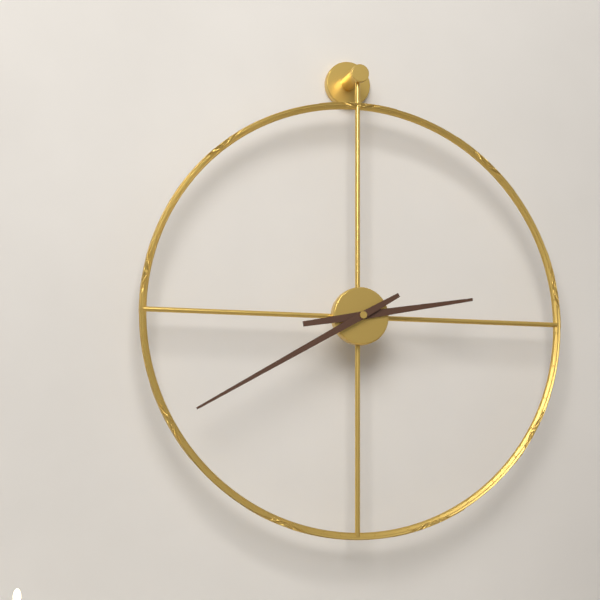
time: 2:40
